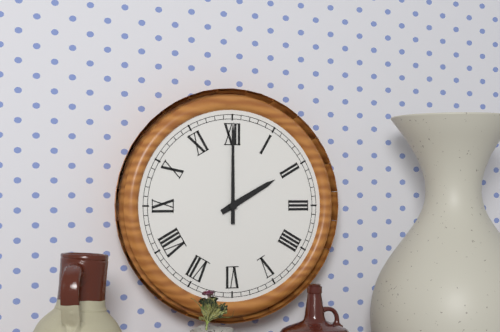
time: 2:00
